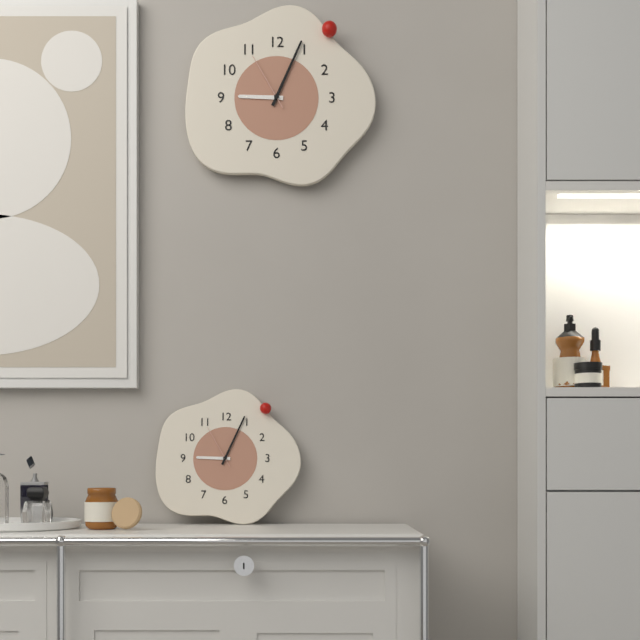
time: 9:04:55
